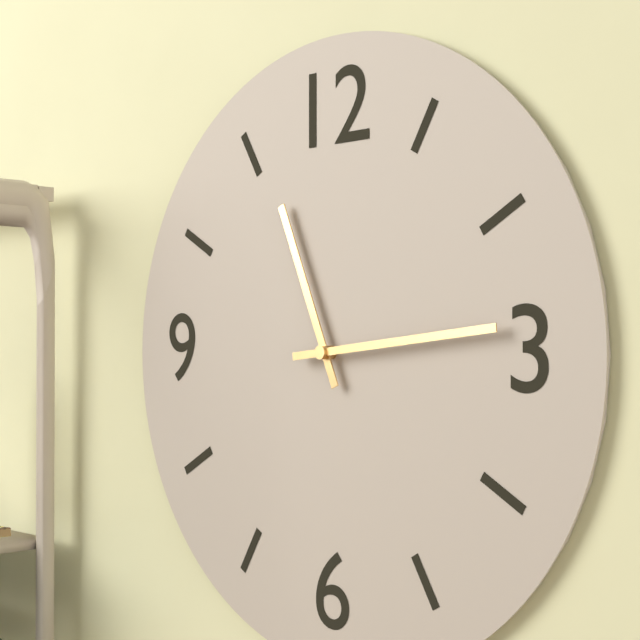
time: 11:14
